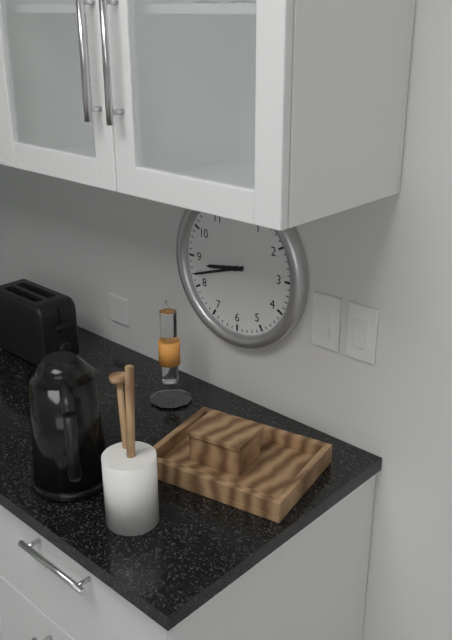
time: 8:42
